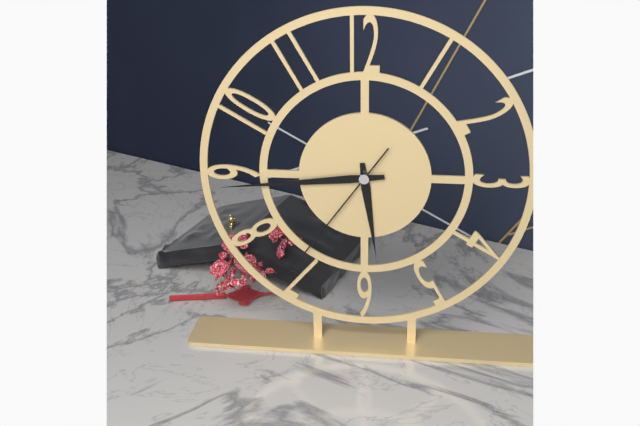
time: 5:44:36
